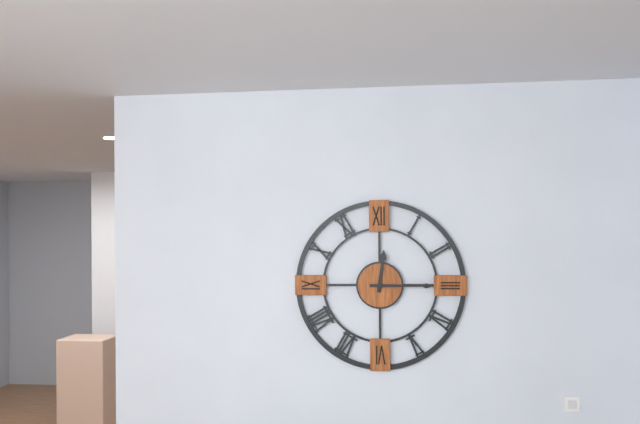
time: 12:15
